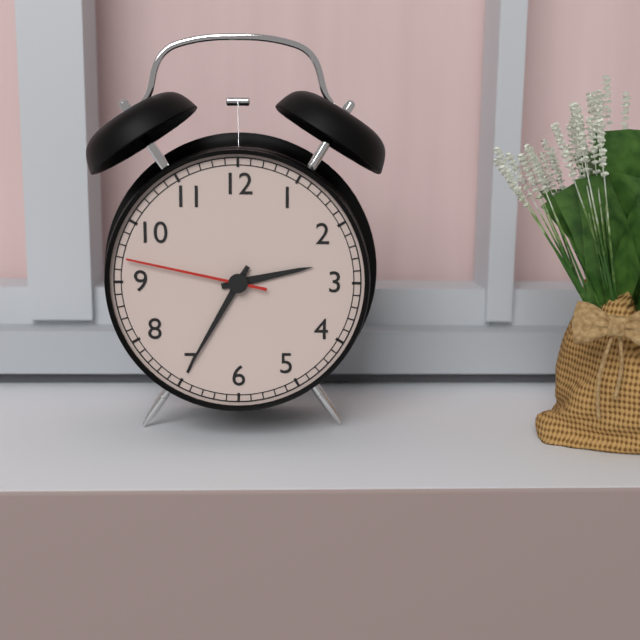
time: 2:35:47
